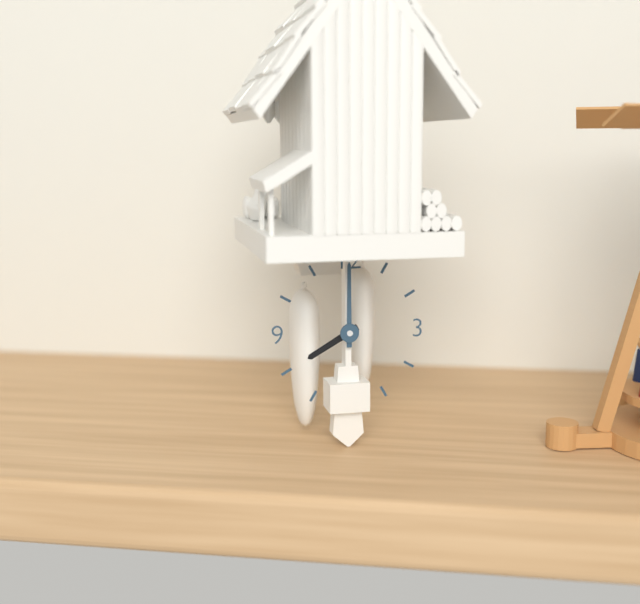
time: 8:00
